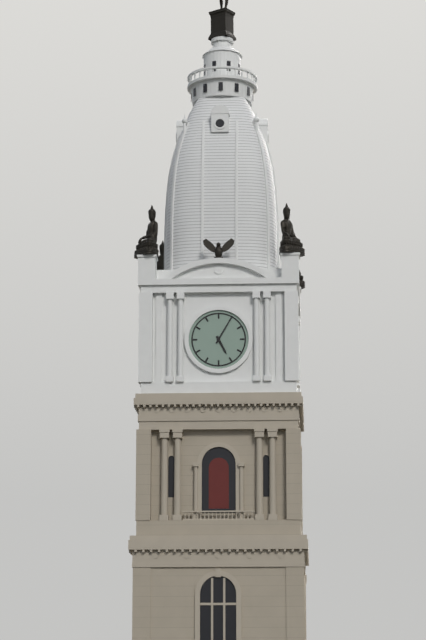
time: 5:05
